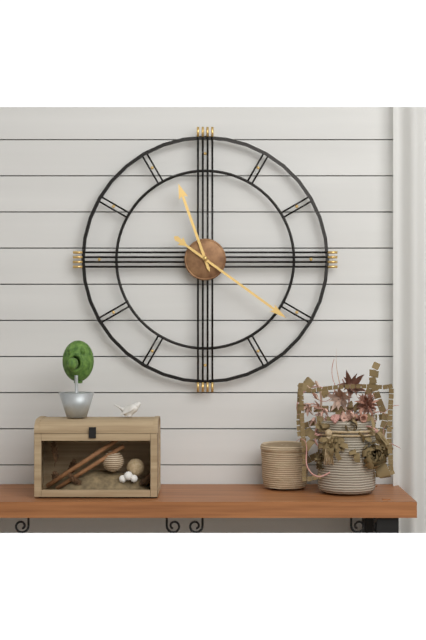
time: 11:21
